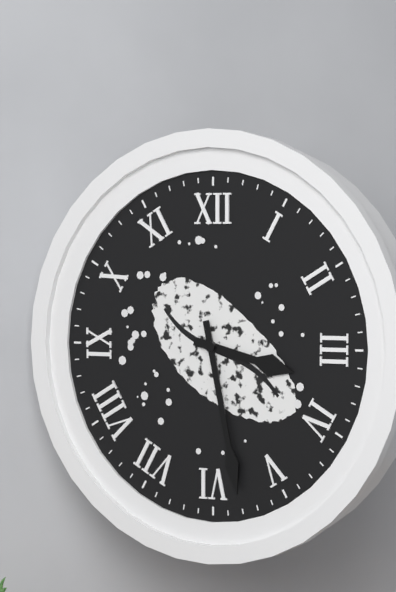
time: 3:28
